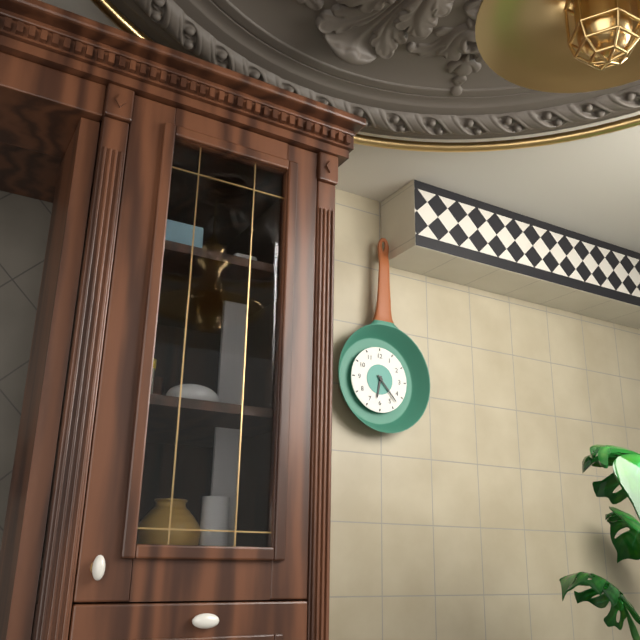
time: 6:23
